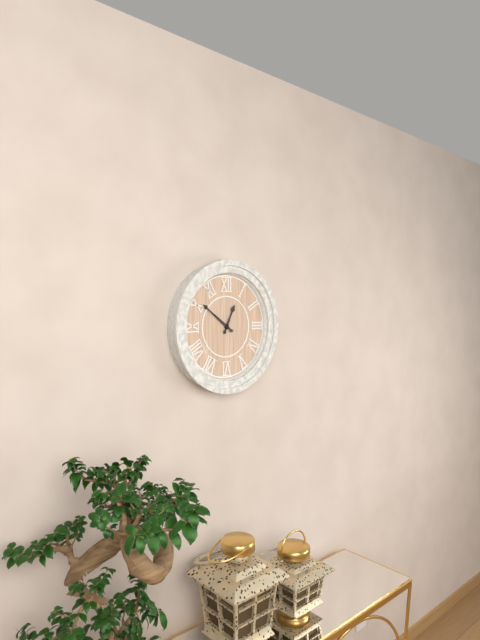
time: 12:51
